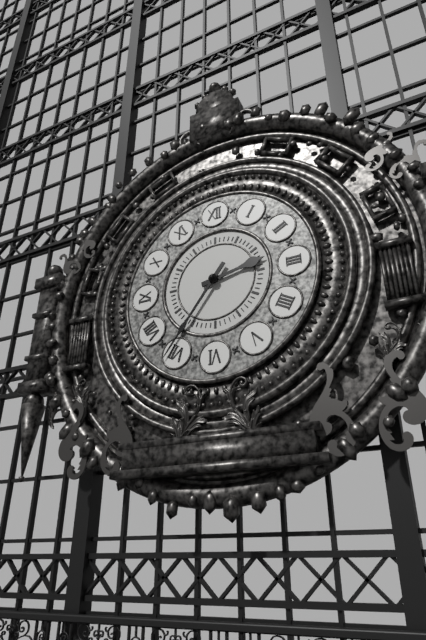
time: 2:36
